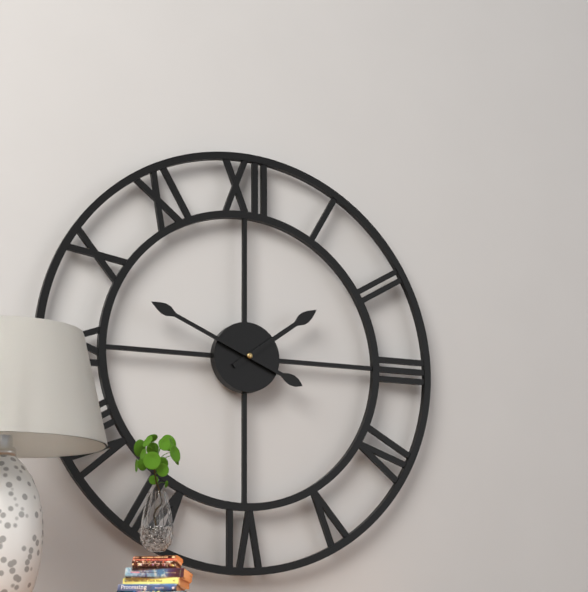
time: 1:49
